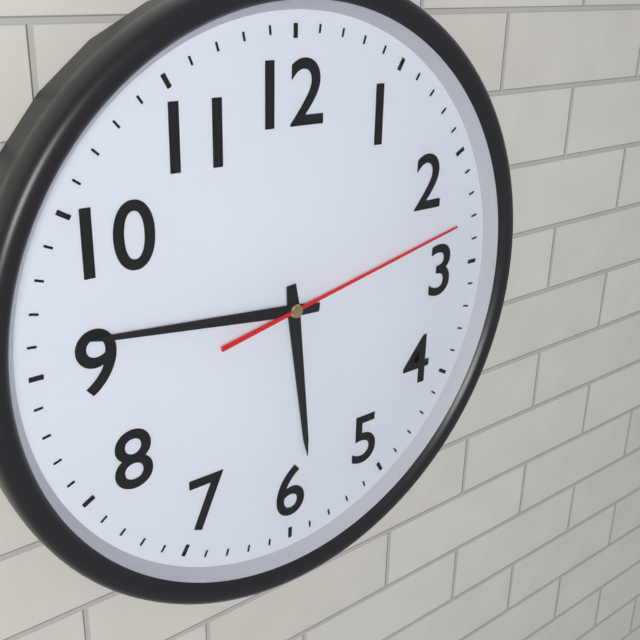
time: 5:46:13
